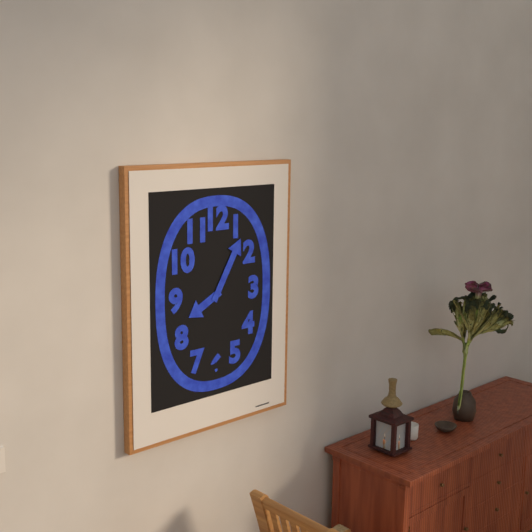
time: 8:05
